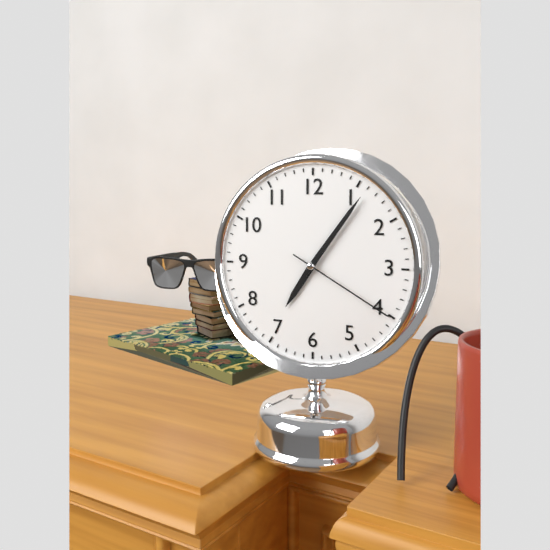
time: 7:06:20
